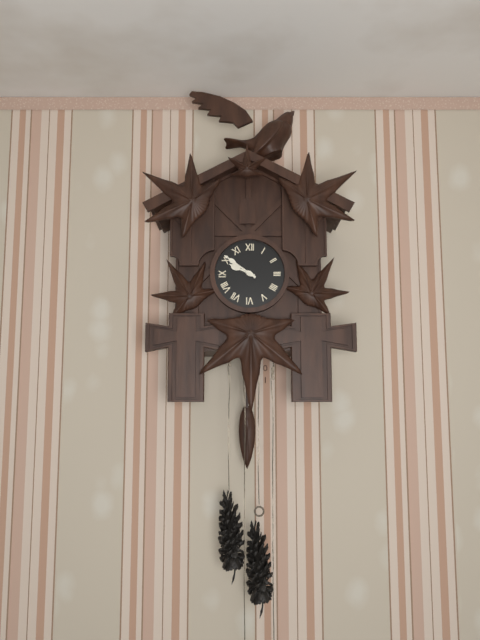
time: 9:51
